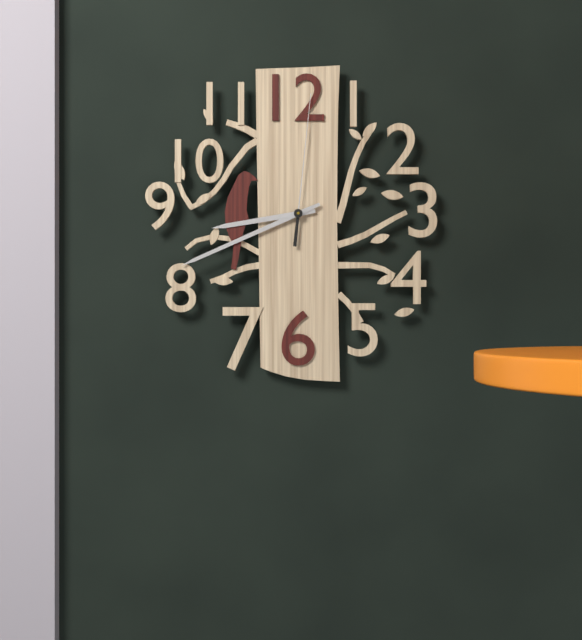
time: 8:41:01
